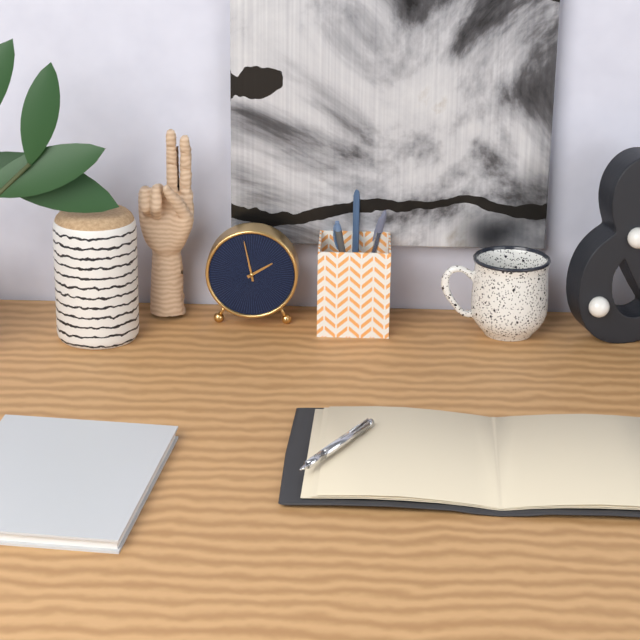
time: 1:58
